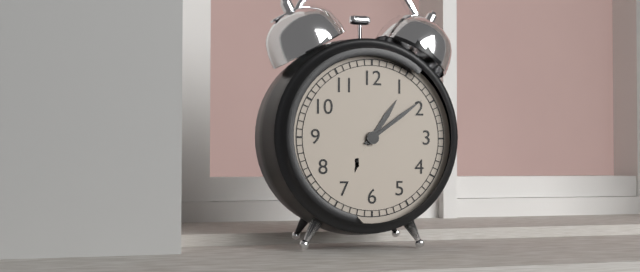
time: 1:09
